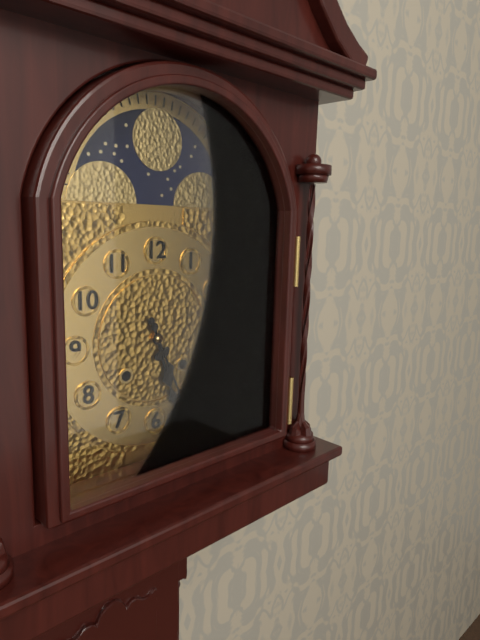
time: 5:26
